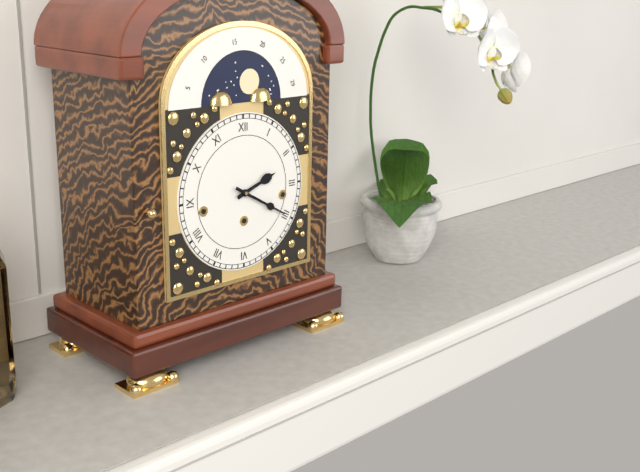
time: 2:20
